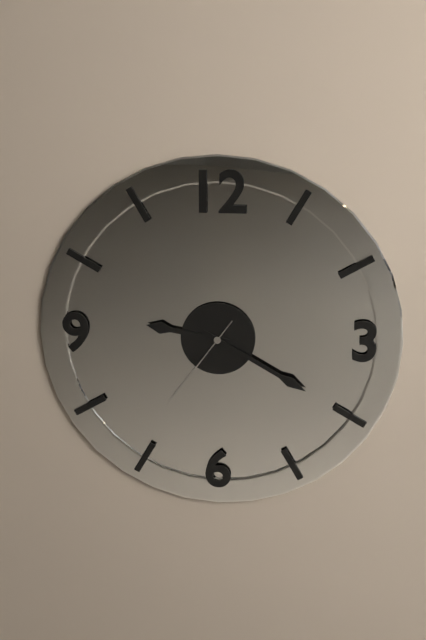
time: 9:20:36
